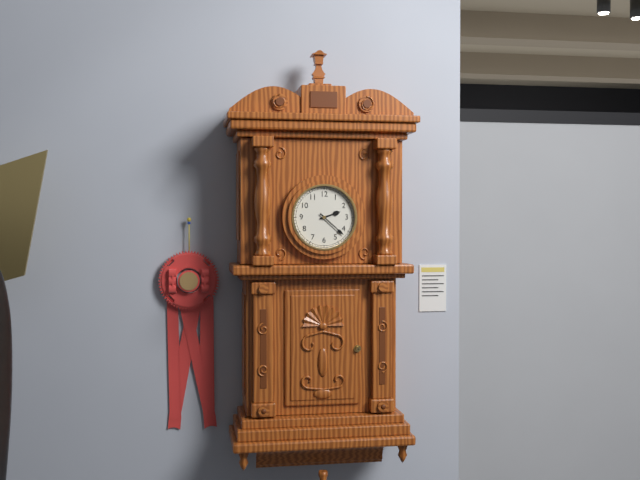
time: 2:22
